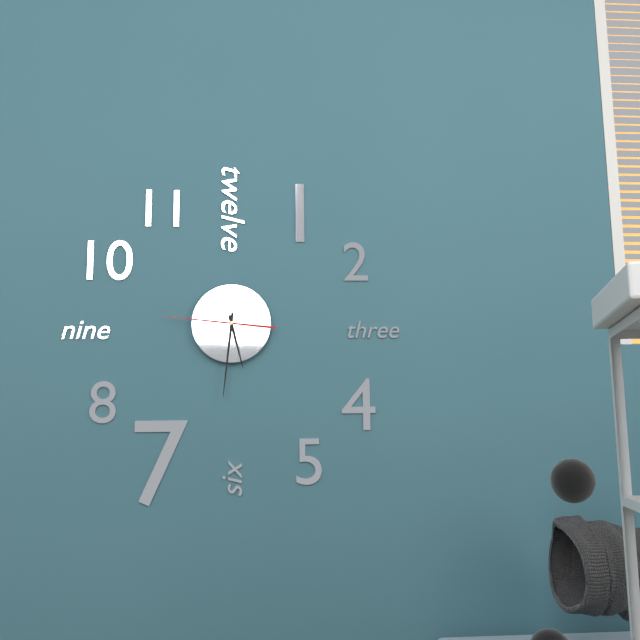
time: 5:31:46
